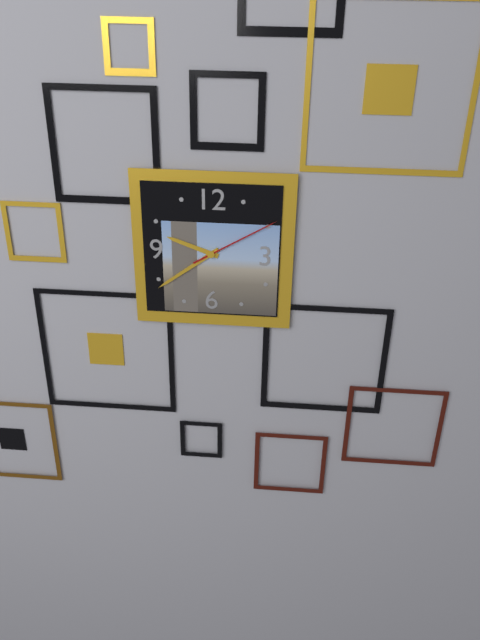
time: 9:39:10
